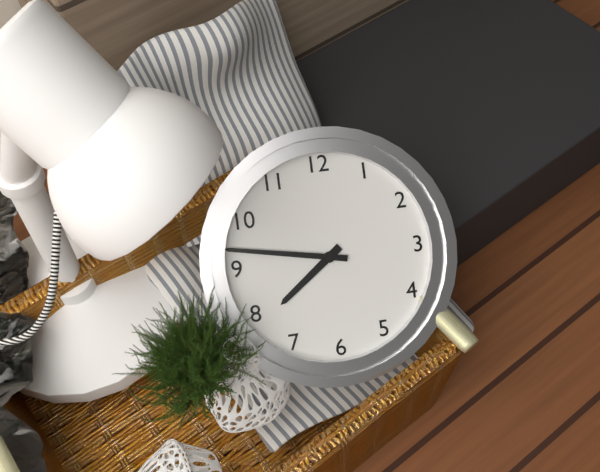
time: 7:47
